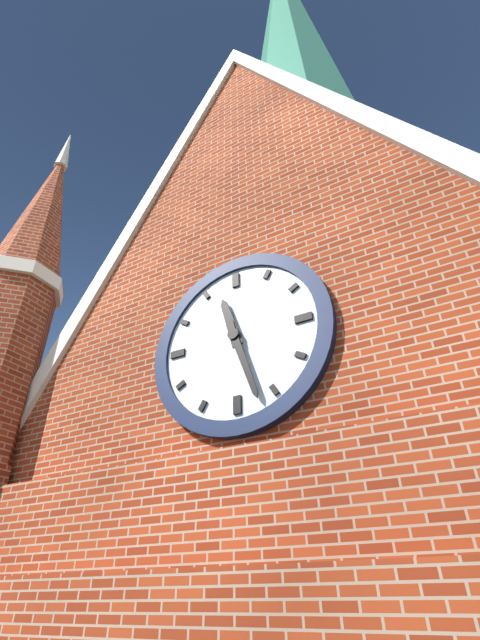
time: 11:27
